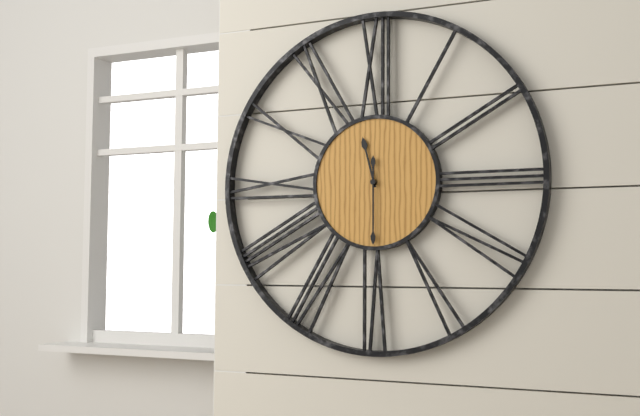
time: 11:30
